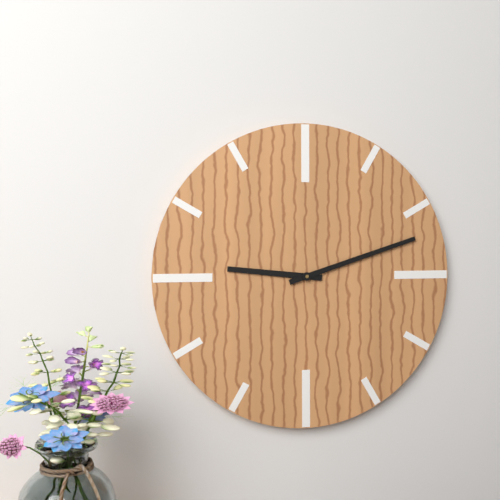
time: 9:12
